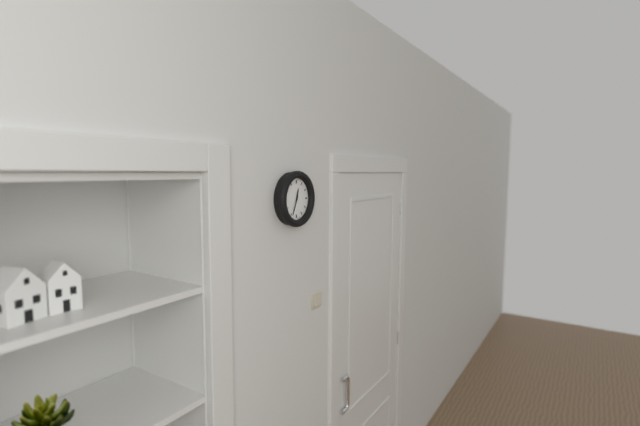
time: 12:34
